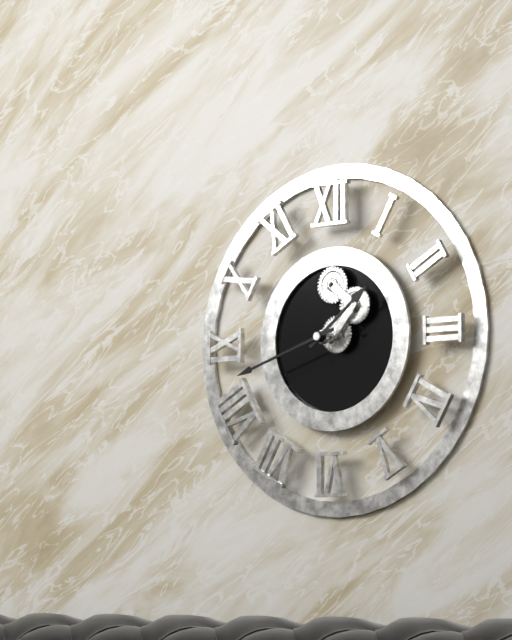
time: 1:42
